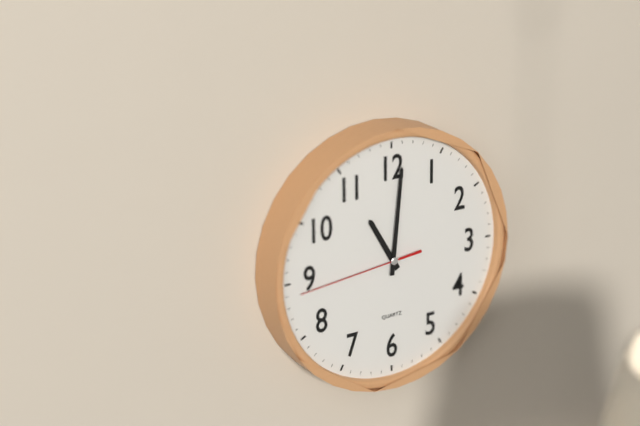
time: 11:01:44
